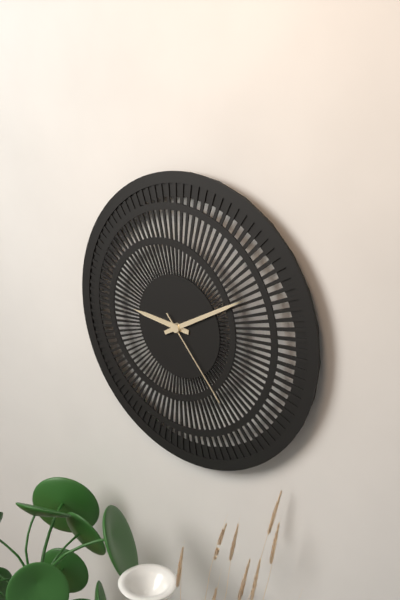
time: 9:10:23
